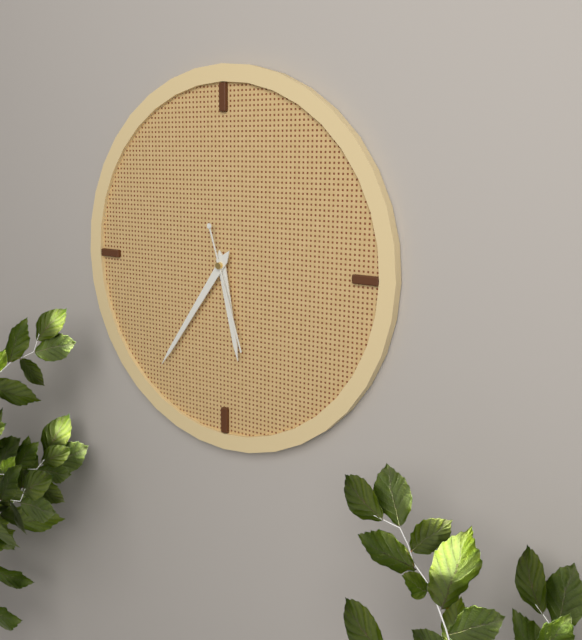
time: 5:36:27
